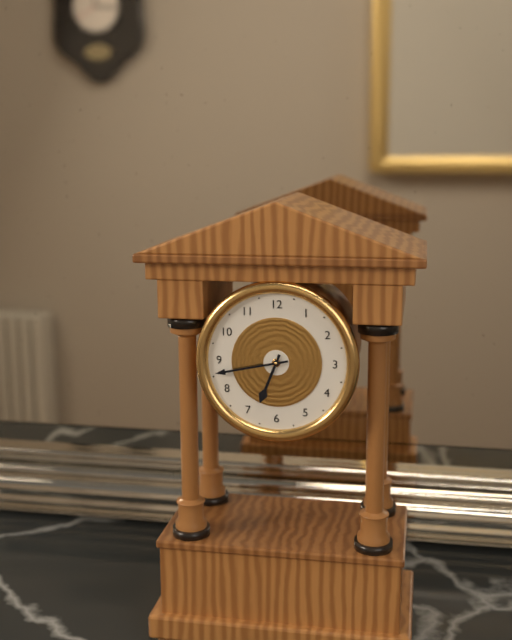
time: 6:43
